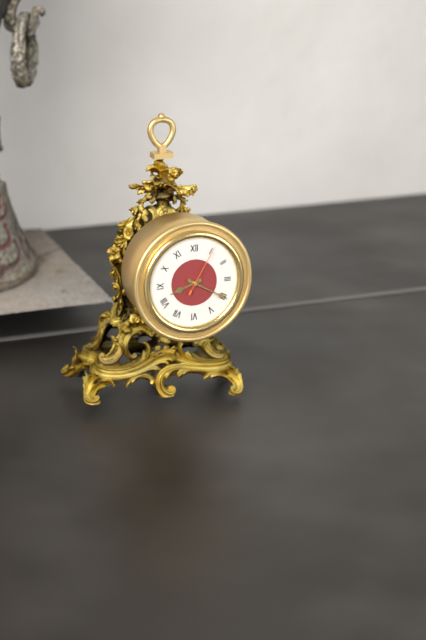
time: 8:20:05
